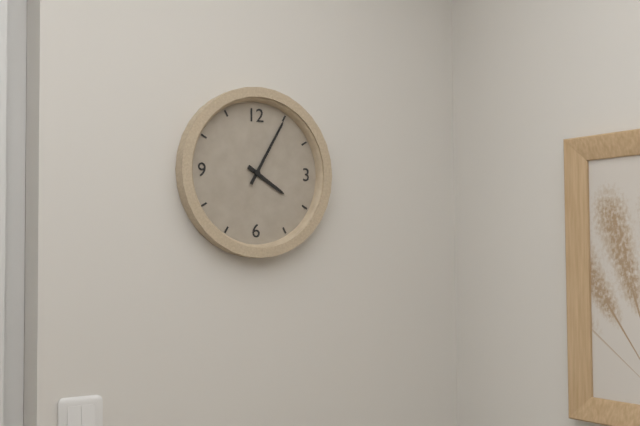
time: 4:05
